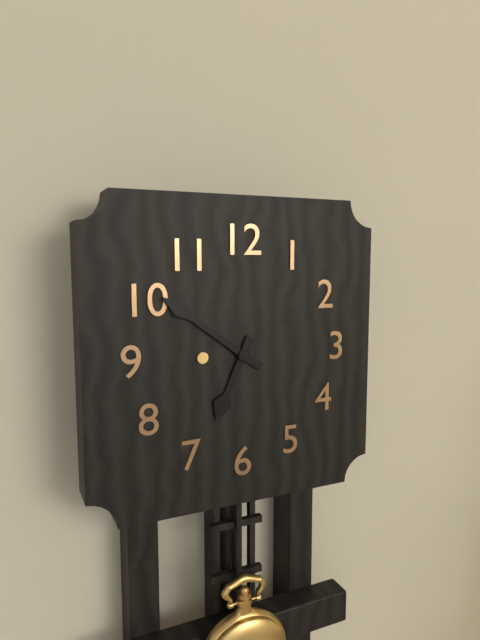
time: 6:51
